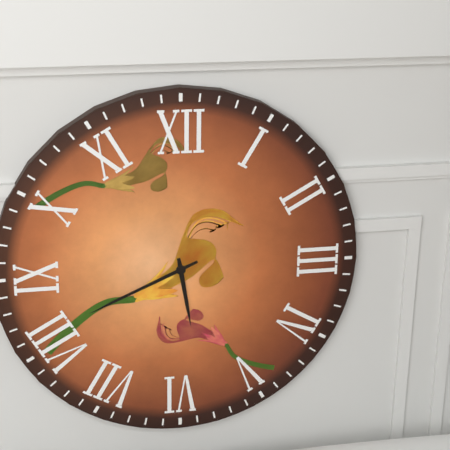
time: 5:41
